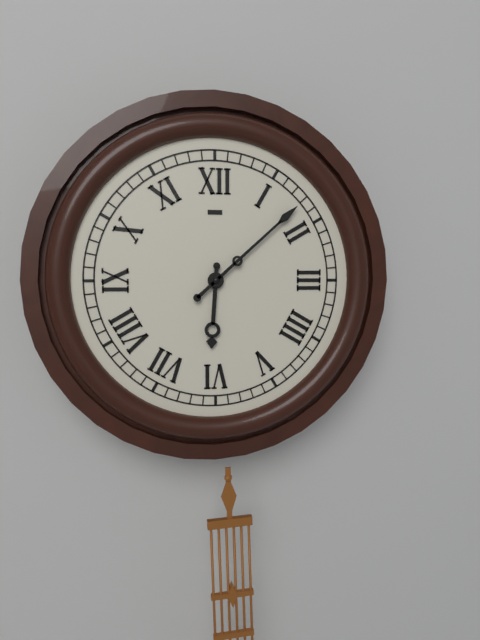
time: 6:08
